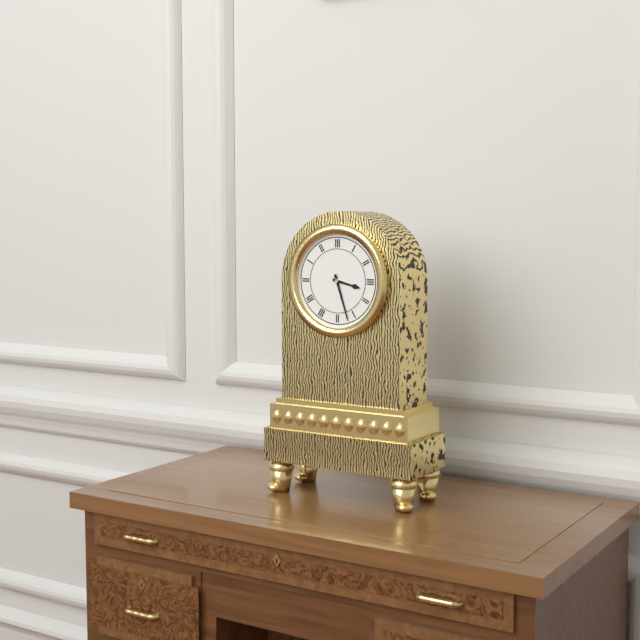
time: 3:27
